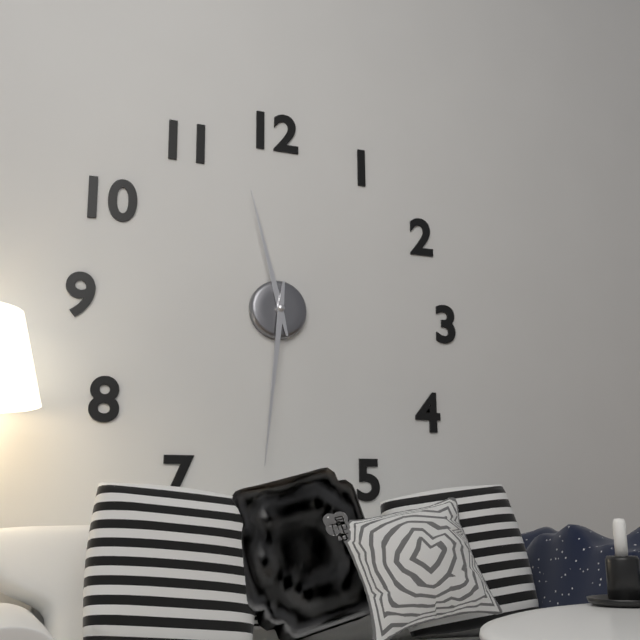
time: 11:31
